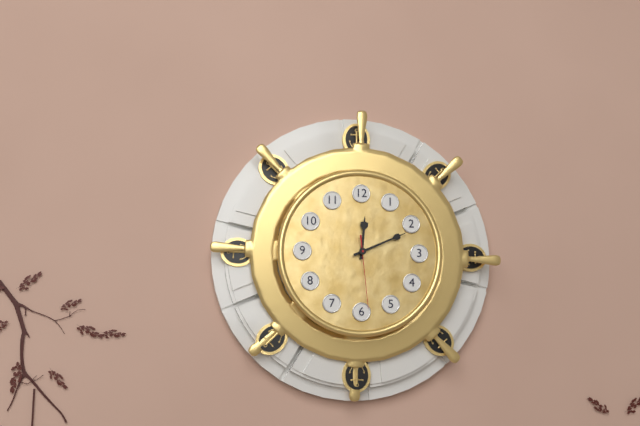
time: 12:11:29
